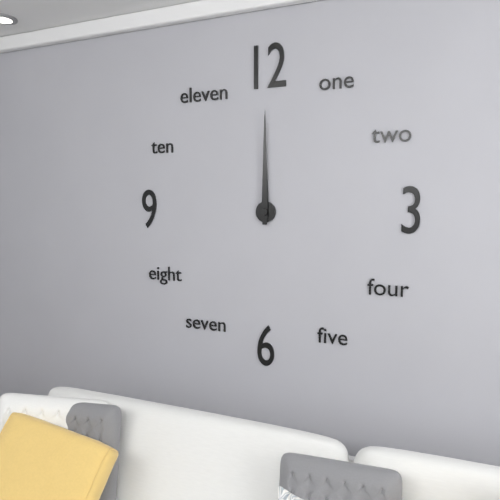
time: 12:00
